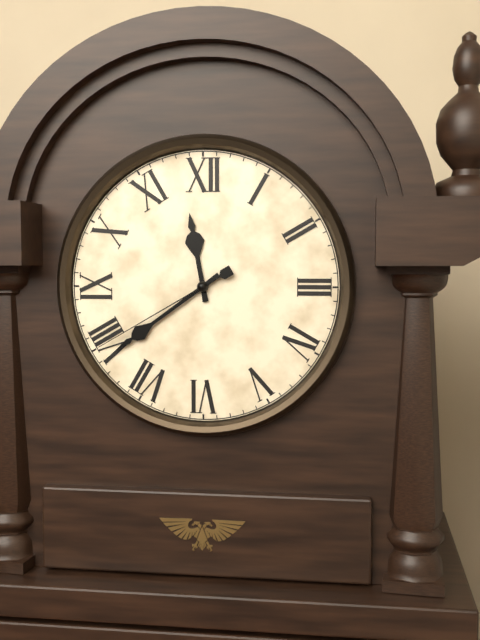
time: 11:39:40
